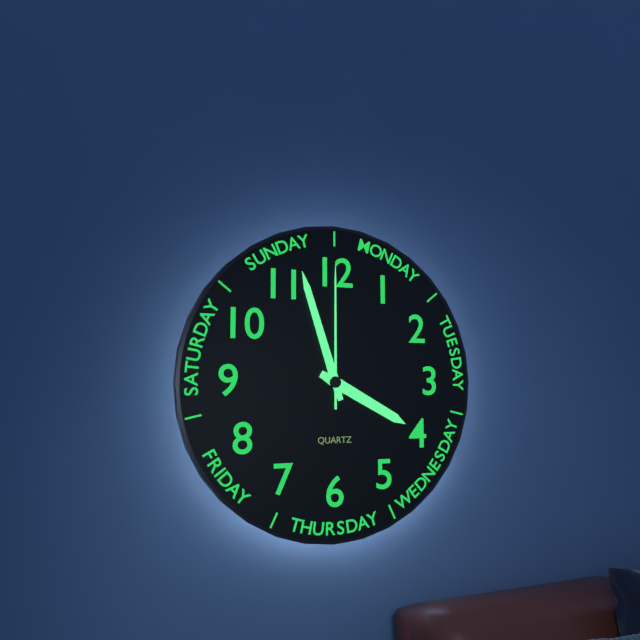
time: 3:57:00
